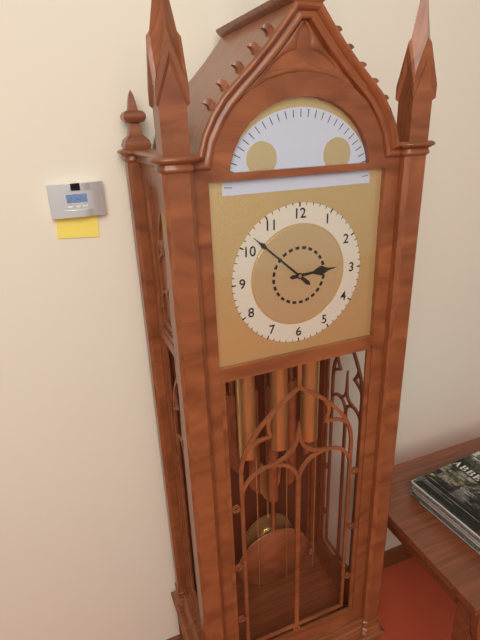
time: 2:52
